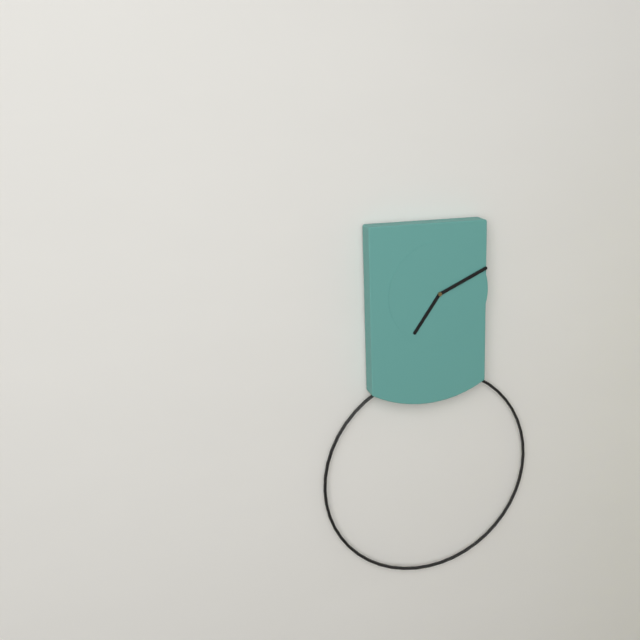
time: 7:11
